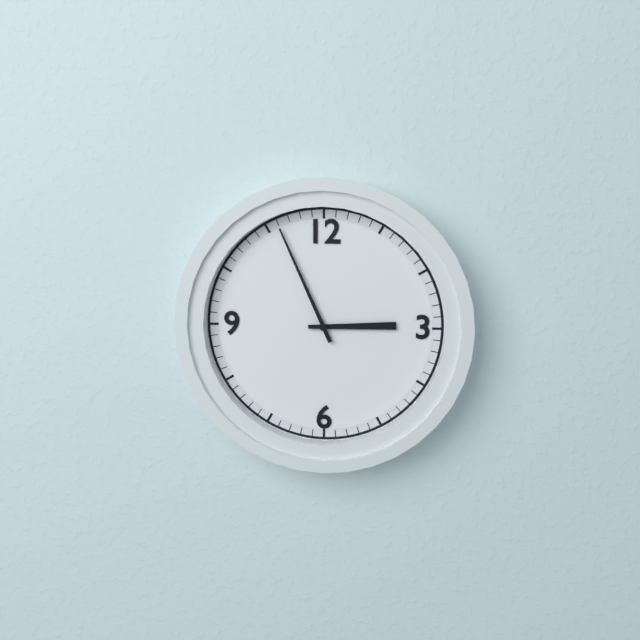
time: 2:56
